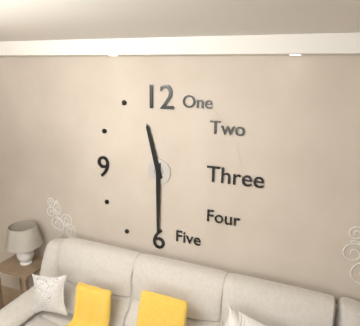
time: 11:30
